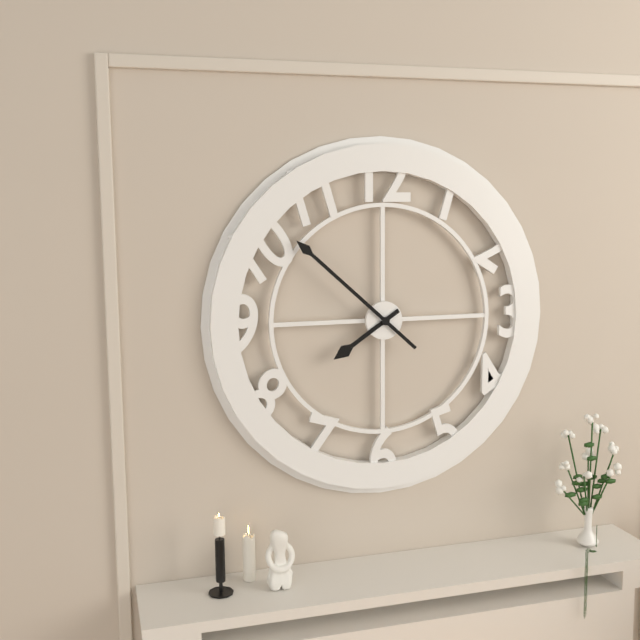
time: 7:52
